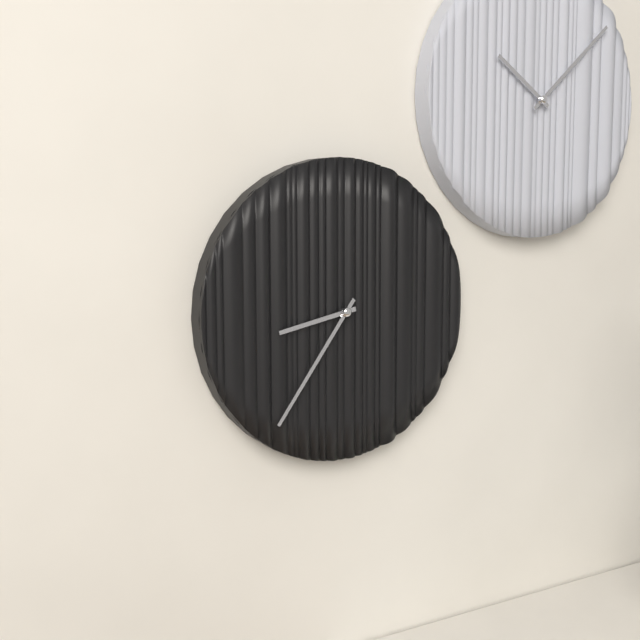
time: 8:36
